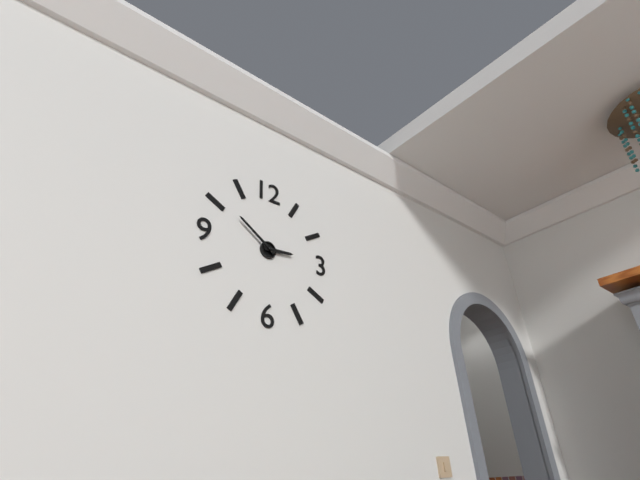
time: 2:51
